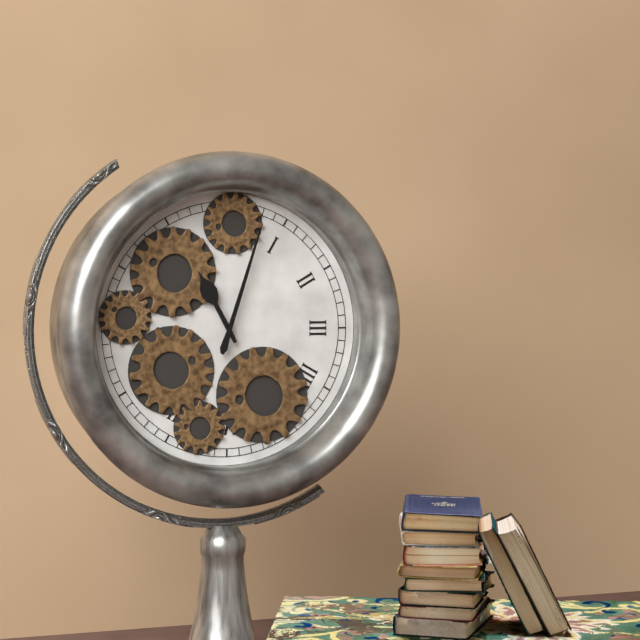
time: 11:03
